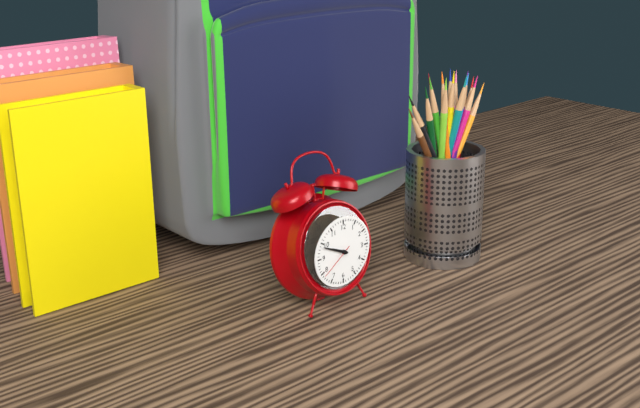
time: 9:49
